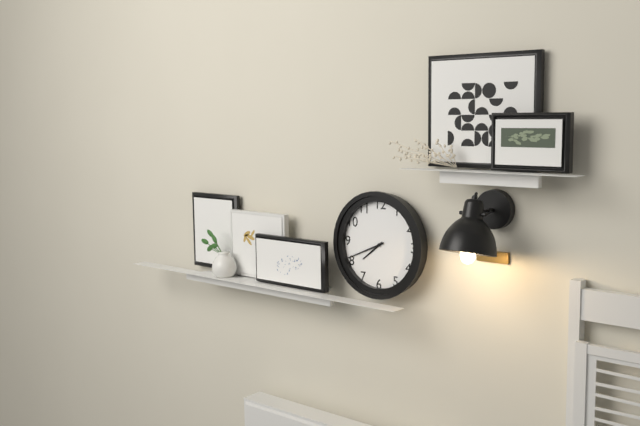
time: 7:41
